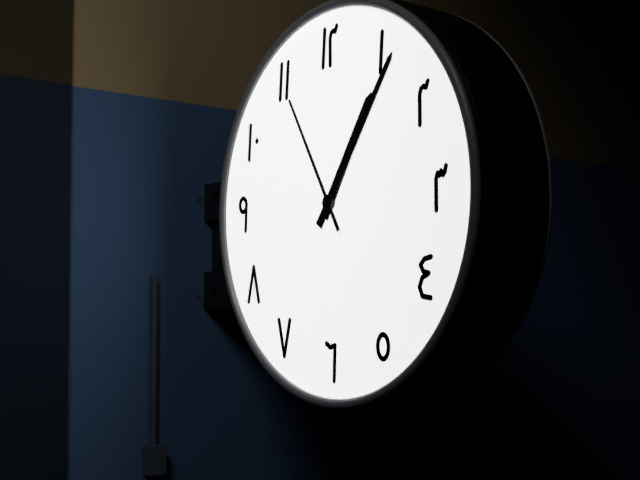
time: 1:06:55
